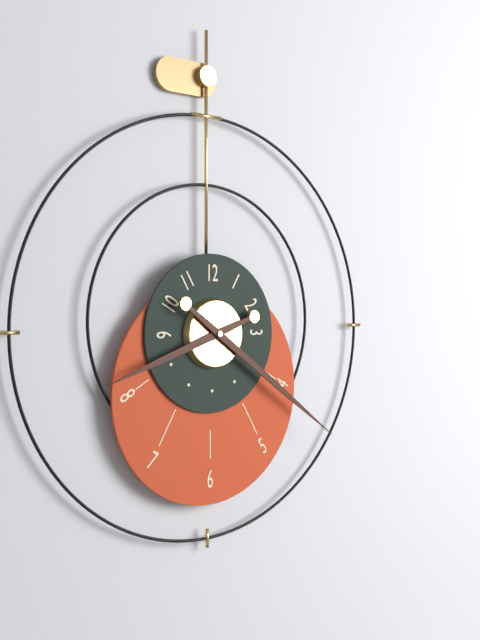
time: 8:21
